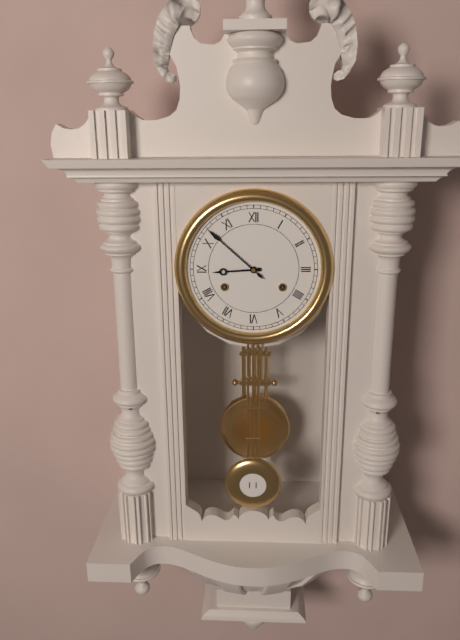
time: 8:52
